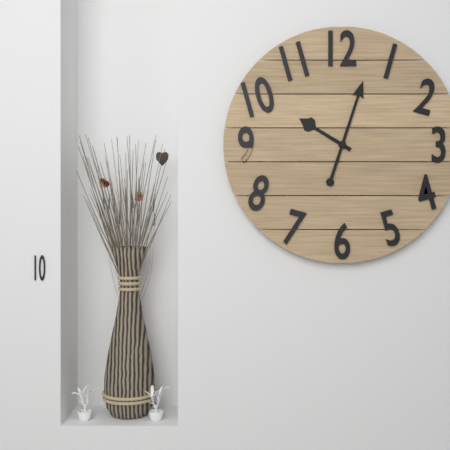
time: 10:03
